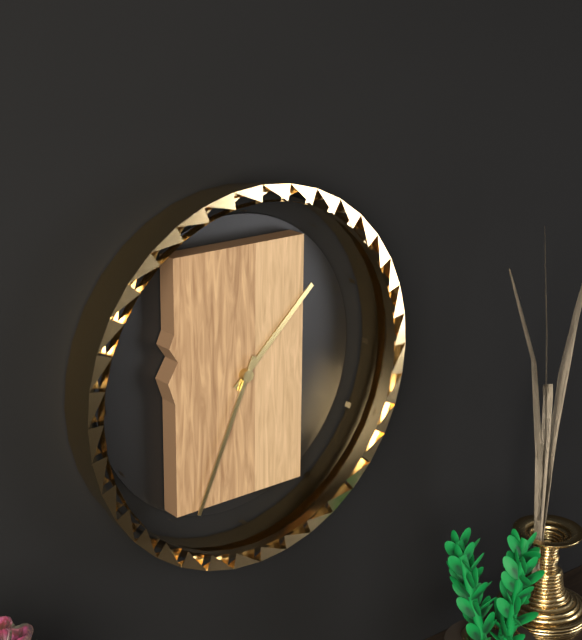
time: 1:34
